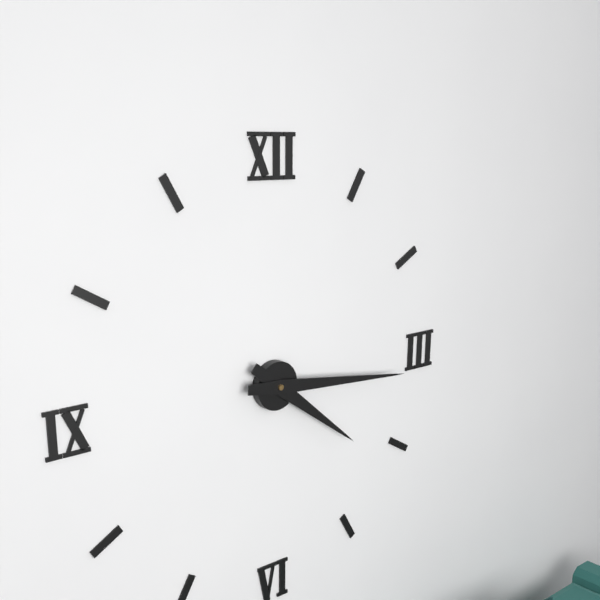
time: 4:16
